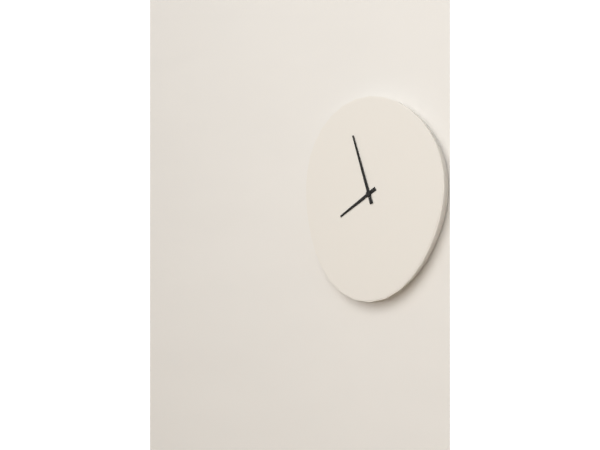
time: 7:57
